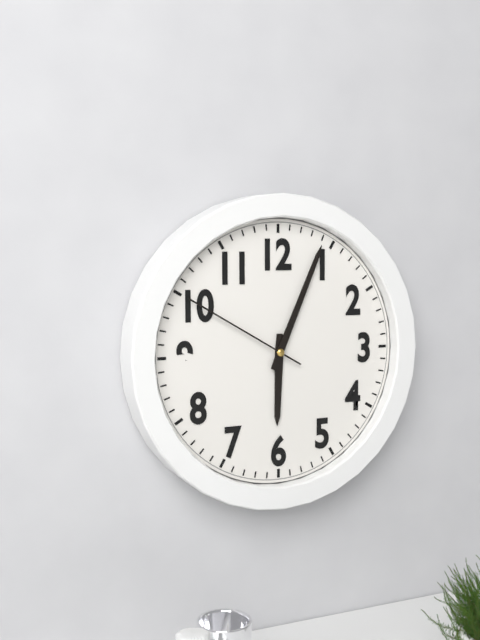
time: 6:04:50
